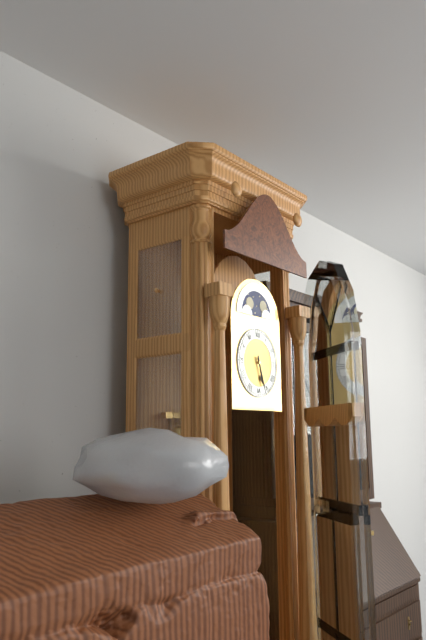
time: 5:27
